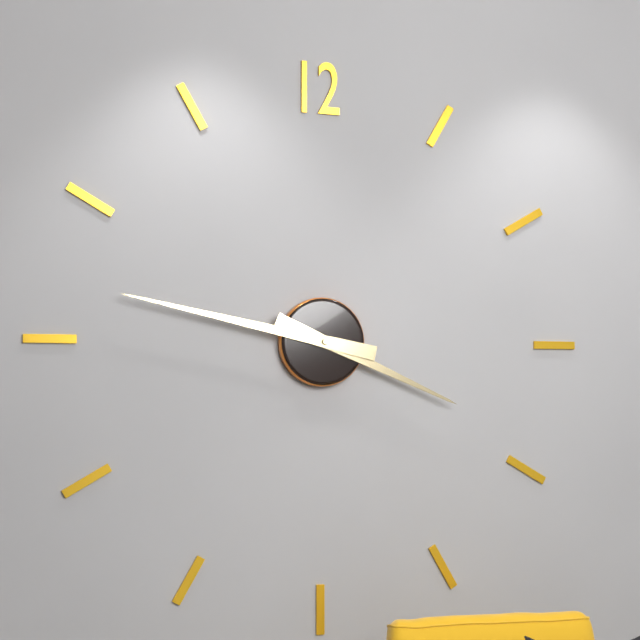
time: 3:47
